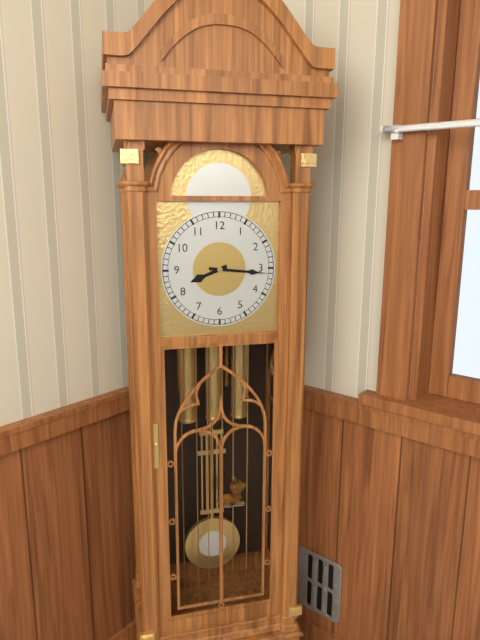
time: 8:16
